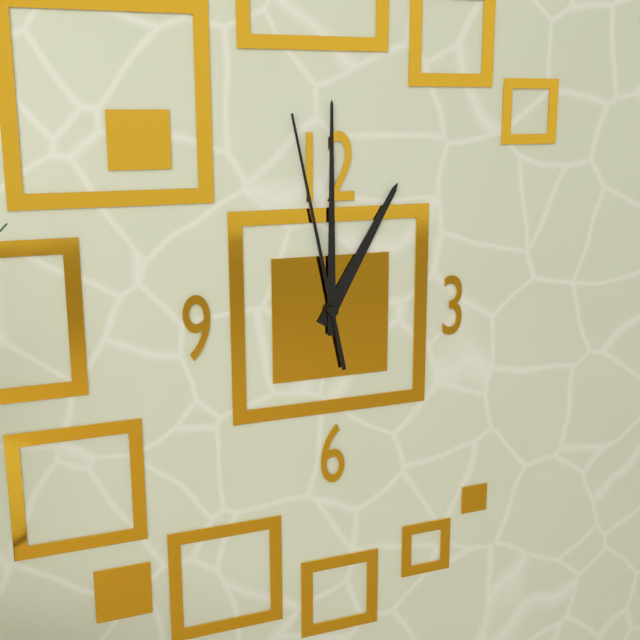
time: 1:00:58
